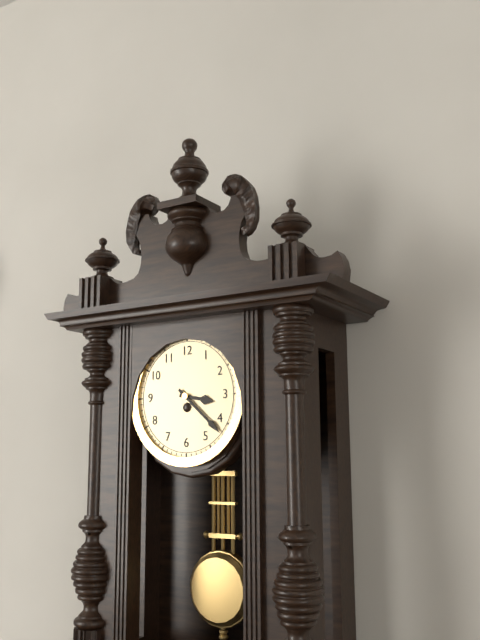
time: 3:22
